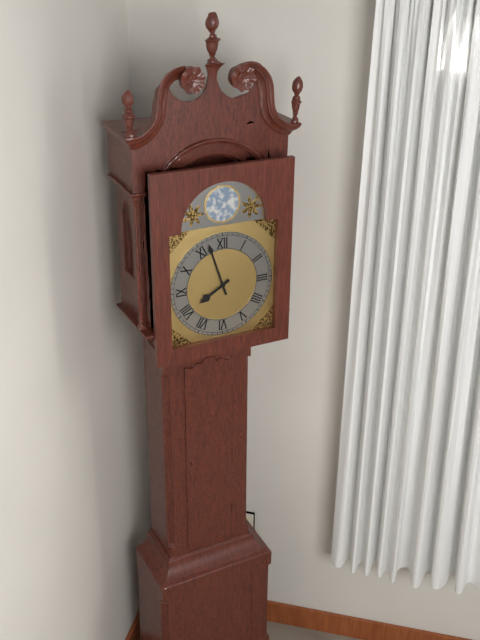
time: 7:57
